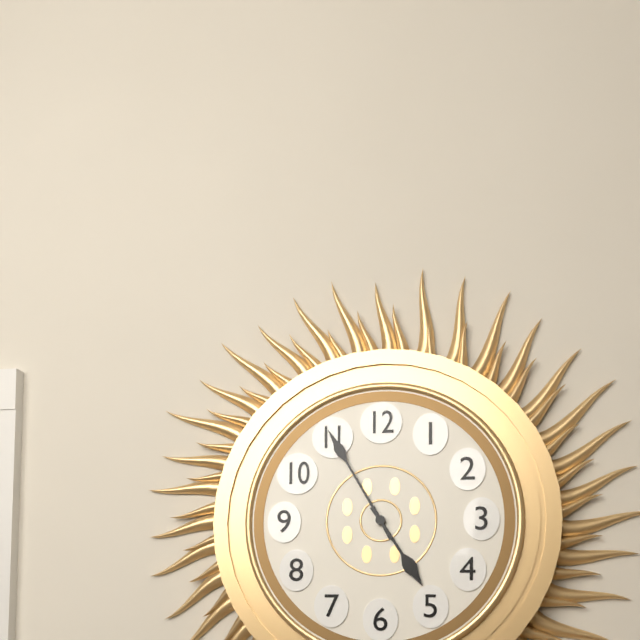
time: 4:55
